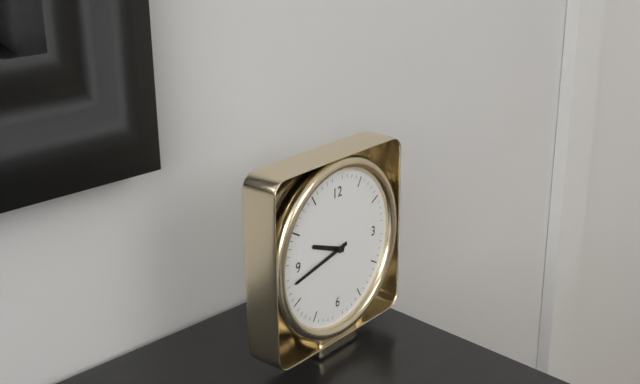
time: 9:43
